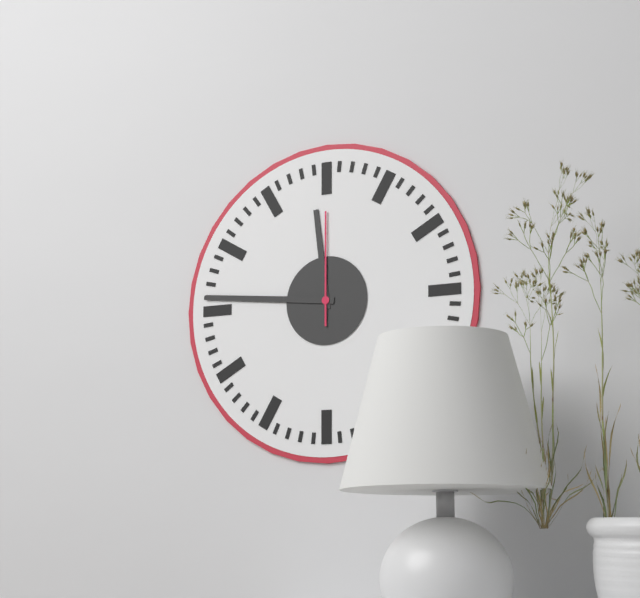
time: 11:46:00
